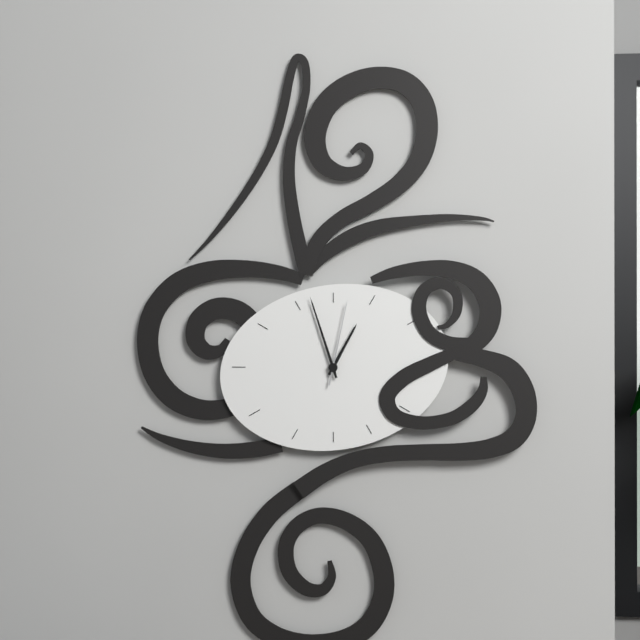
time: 12:57:02
